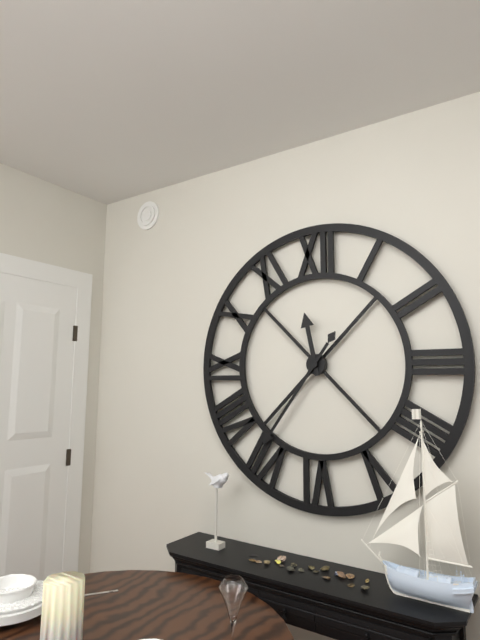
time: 11:36
